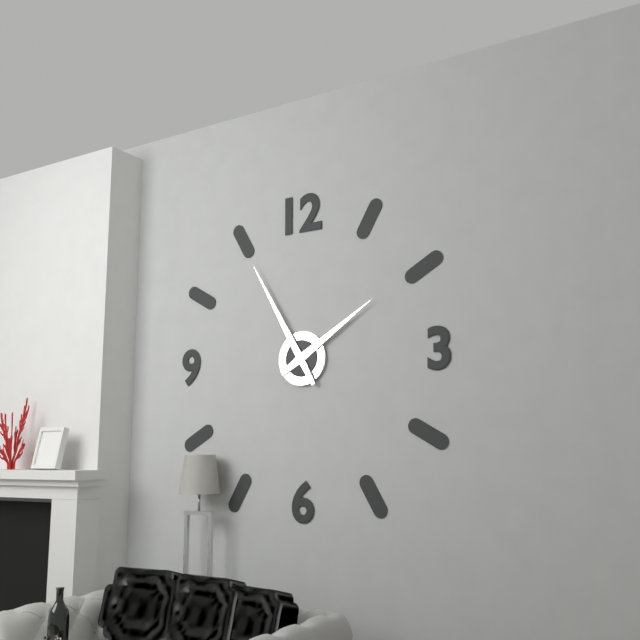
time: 1:55
